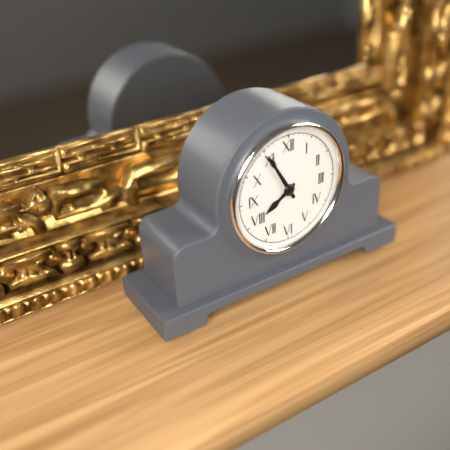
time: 7:55
